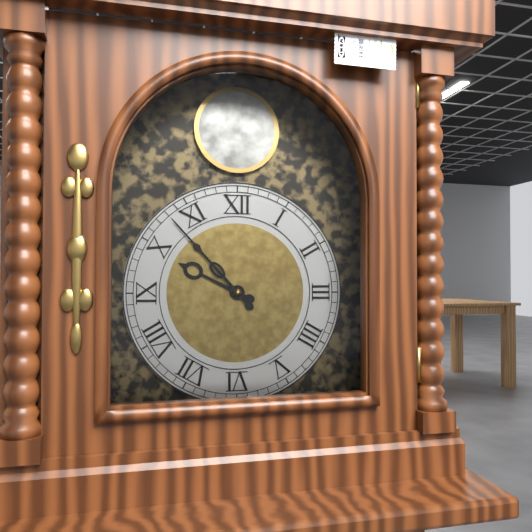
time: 9:53
